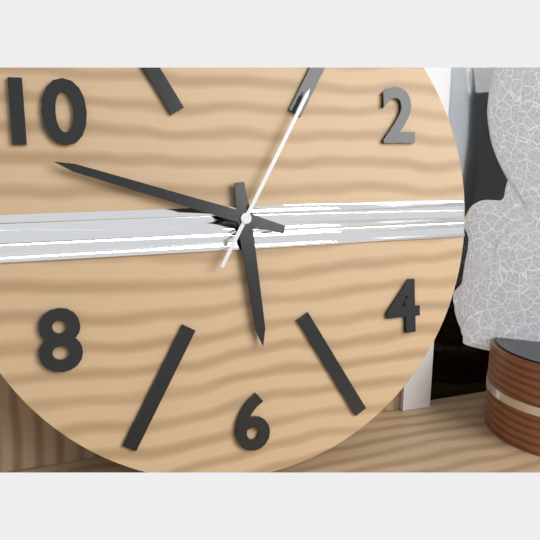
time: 5:48:05
